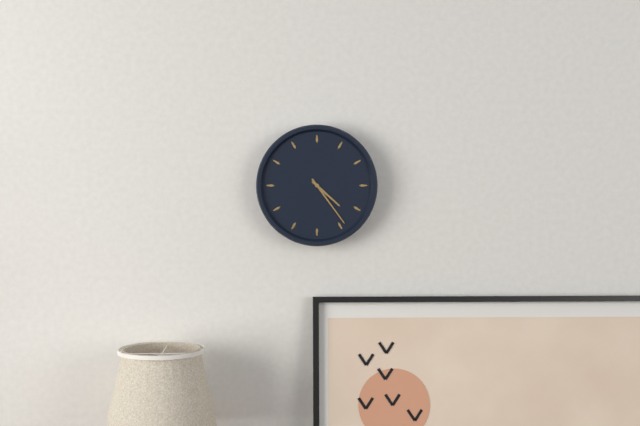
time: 4:24
